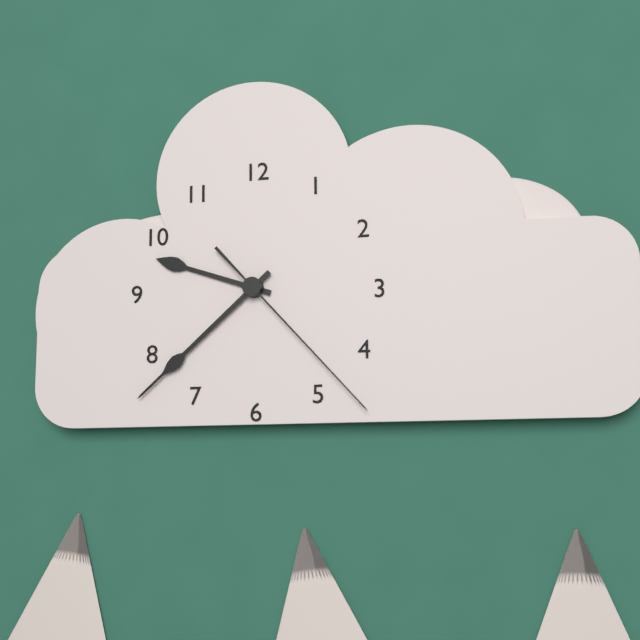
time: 9:38:23
